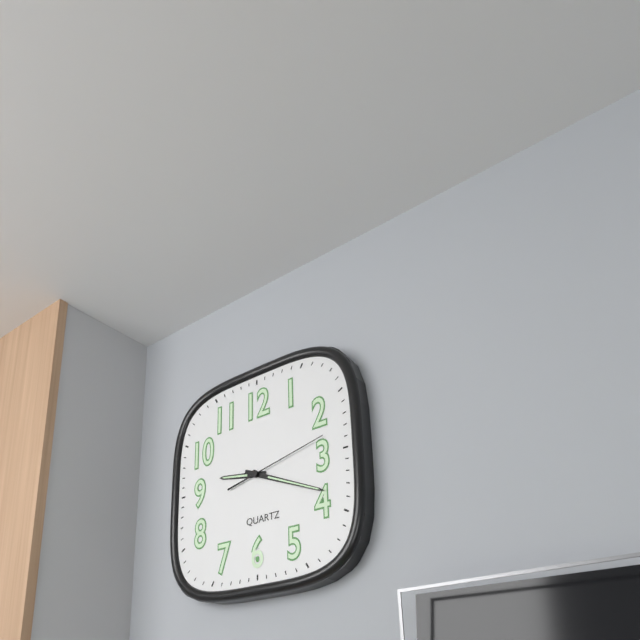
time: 9:19:13
